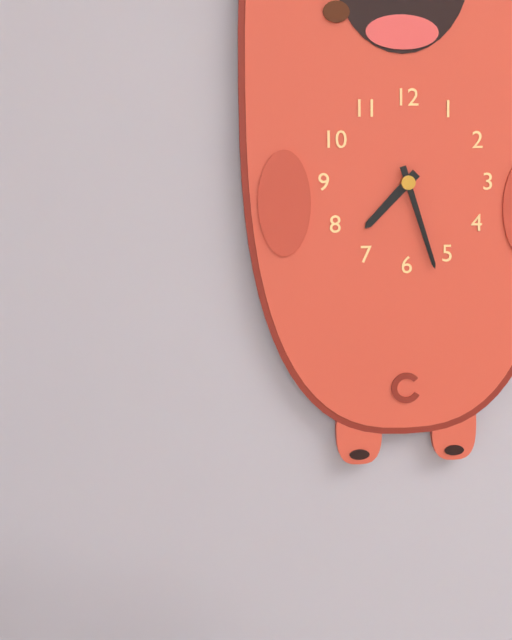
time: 7:27
